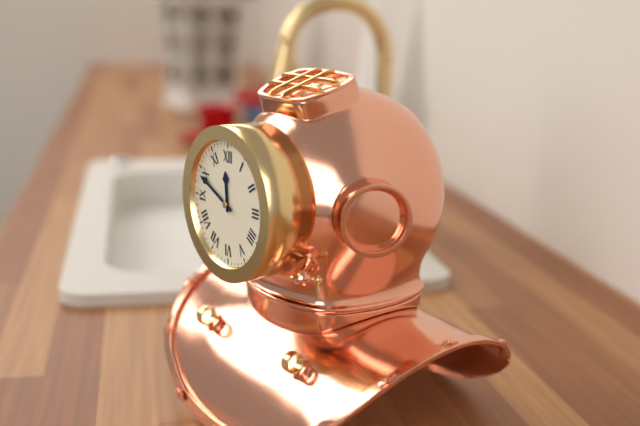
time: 11:49
